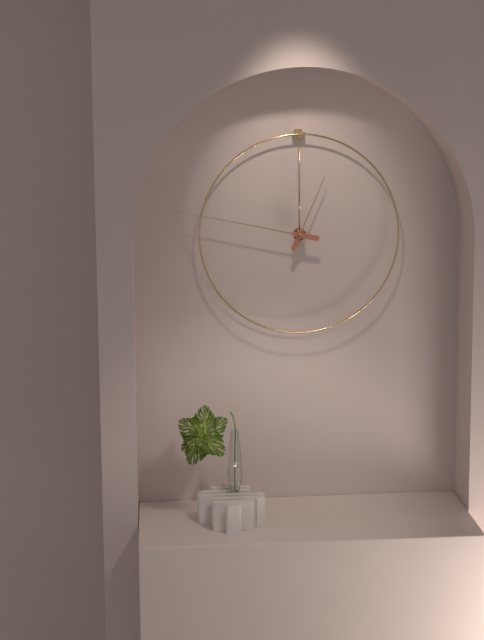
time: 12:47
